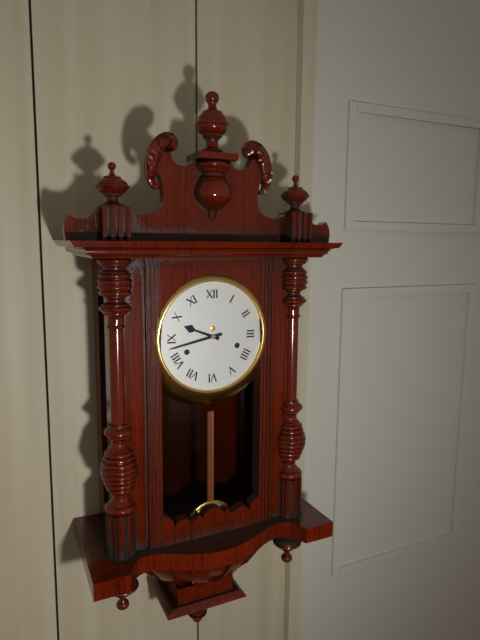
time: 9:43
